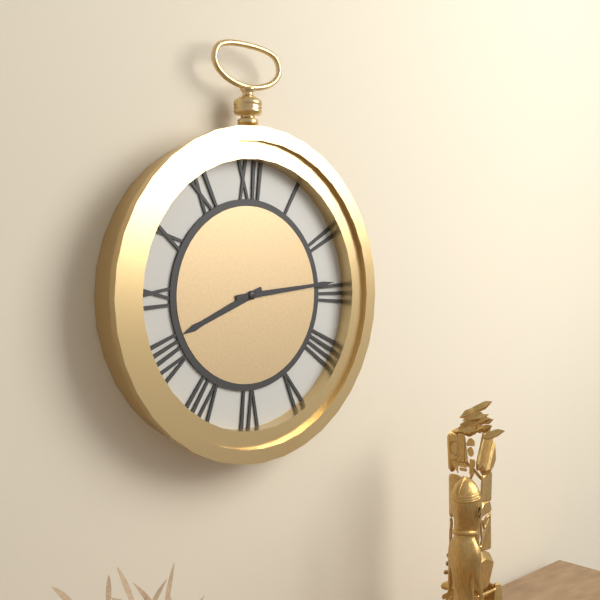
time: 8:14
